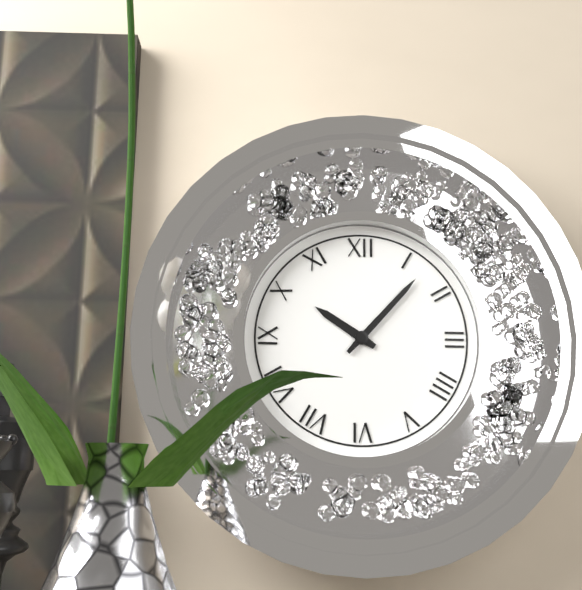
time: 10:07
